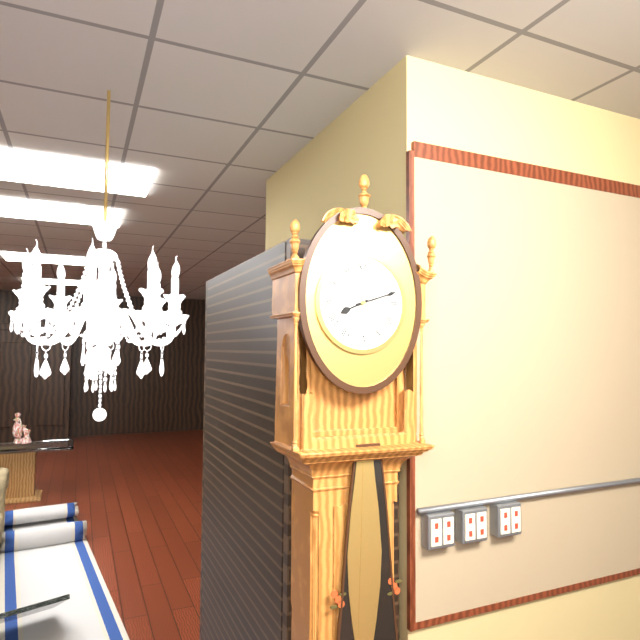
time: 8:12
